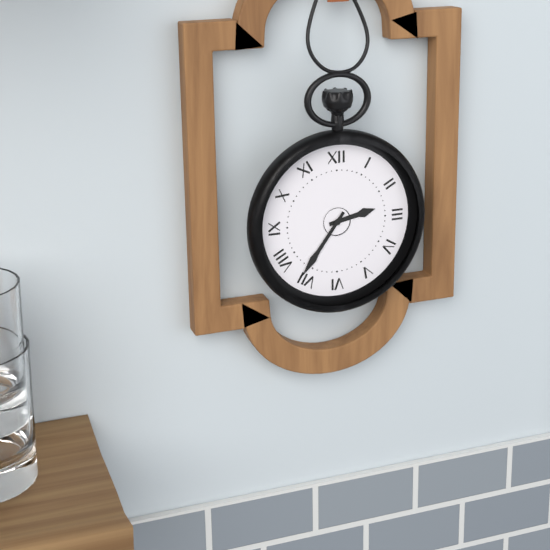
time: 2:36
